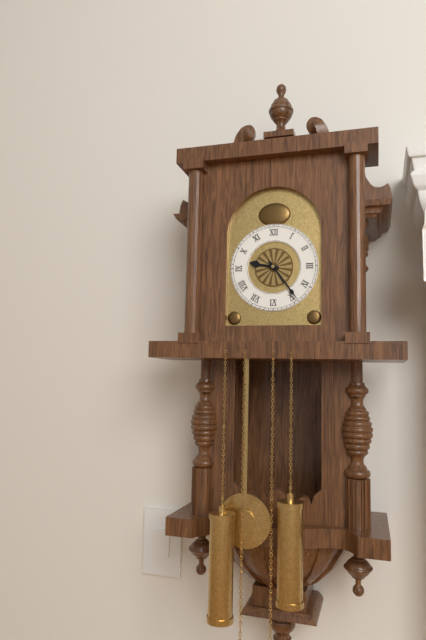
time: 9:24
